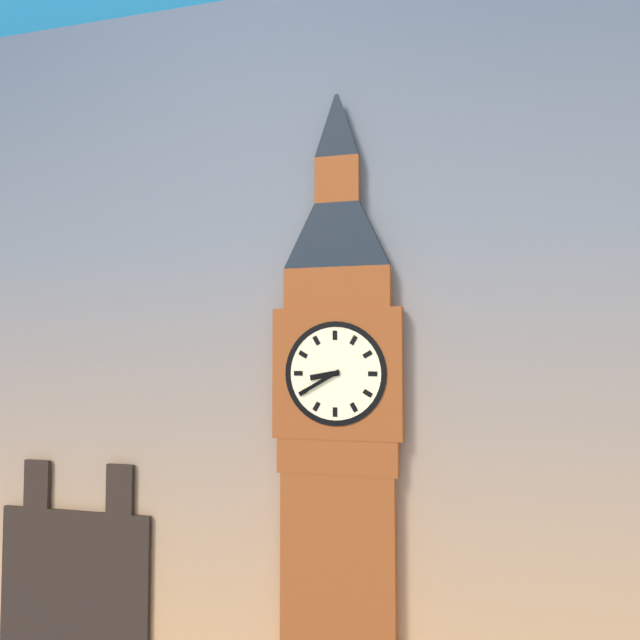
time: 8:40
